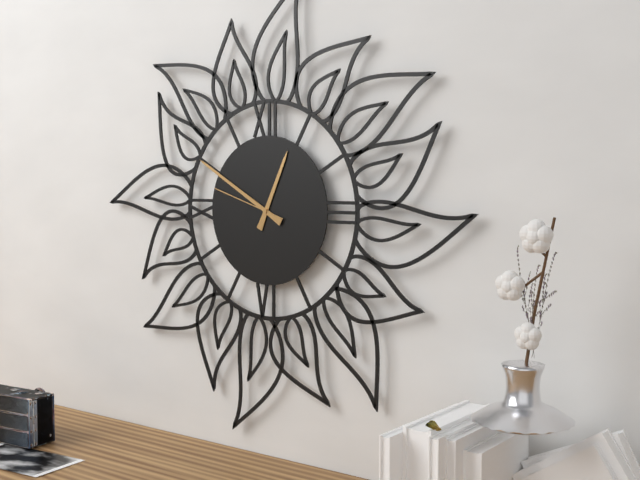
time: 12:50:48
